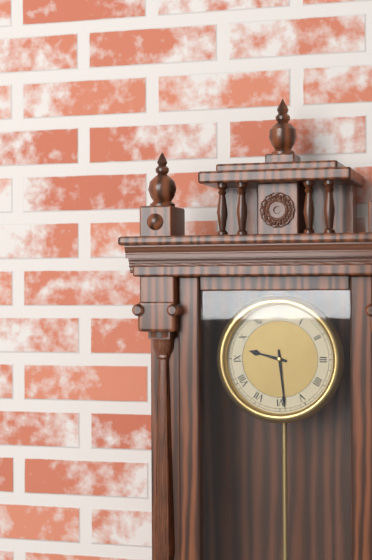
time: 9:29
